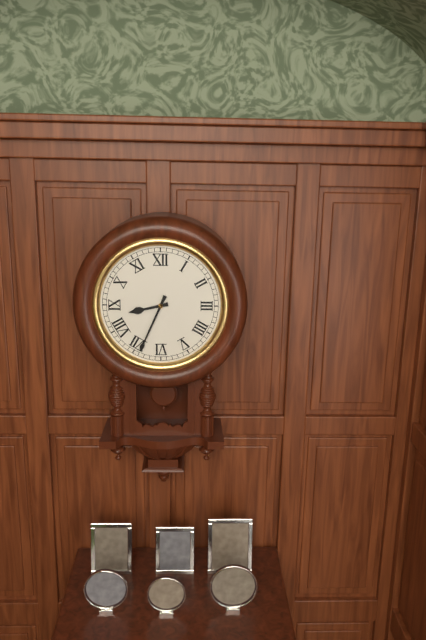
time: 8:34
